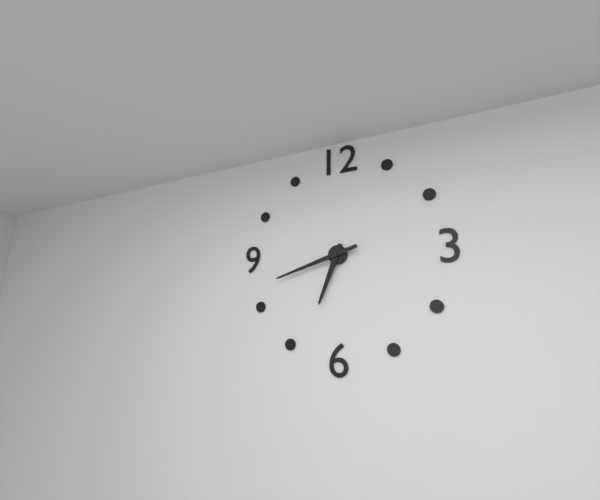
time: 6:42
